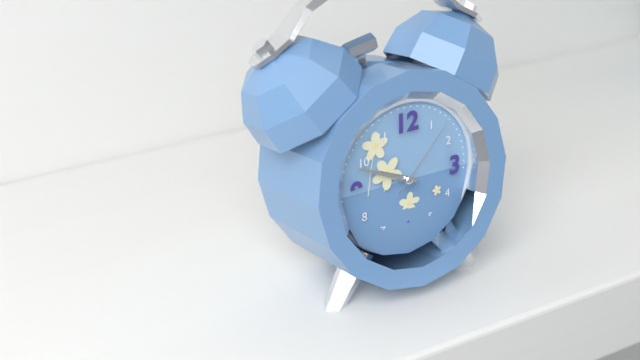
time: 9:49:07
